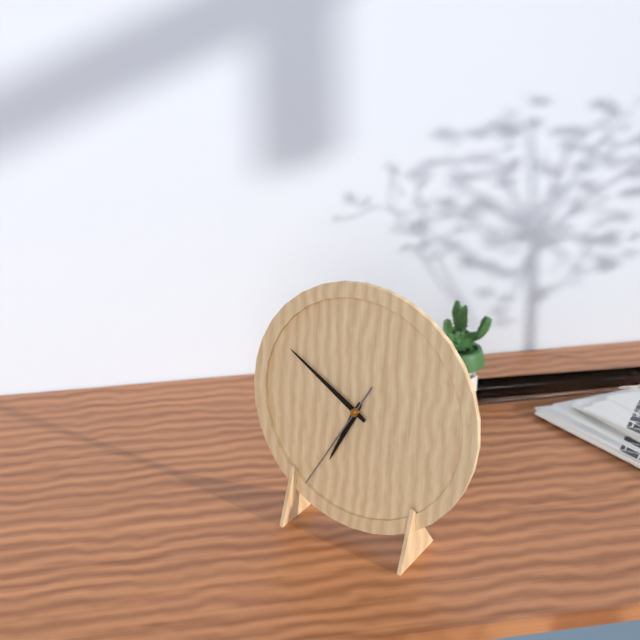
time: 6:50:35
